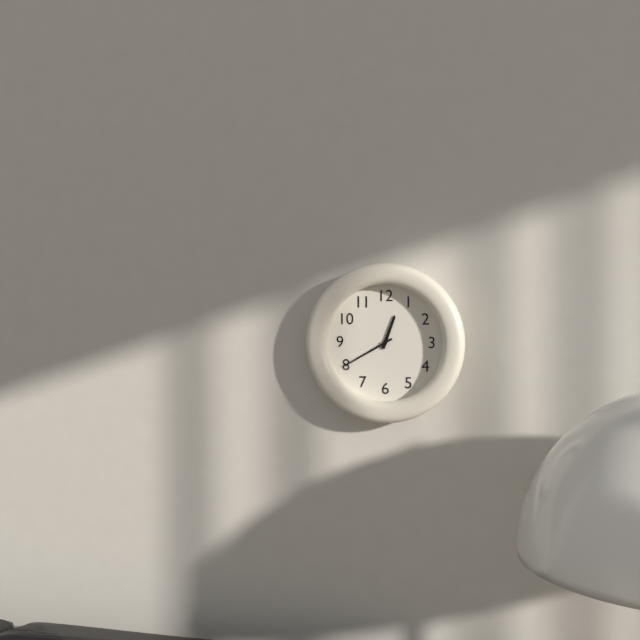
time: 12:40
